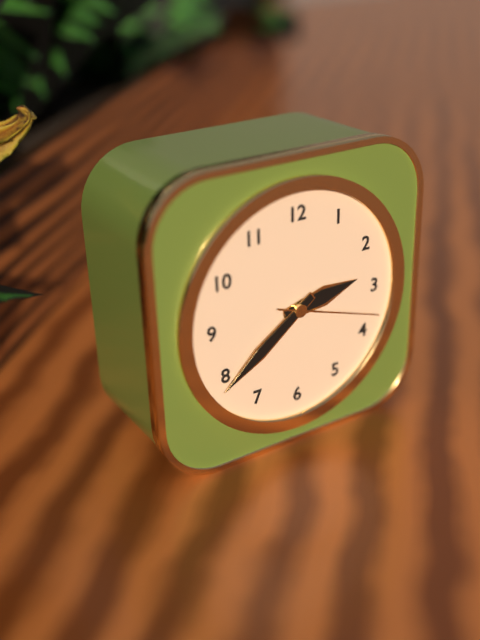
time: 2:39:18
